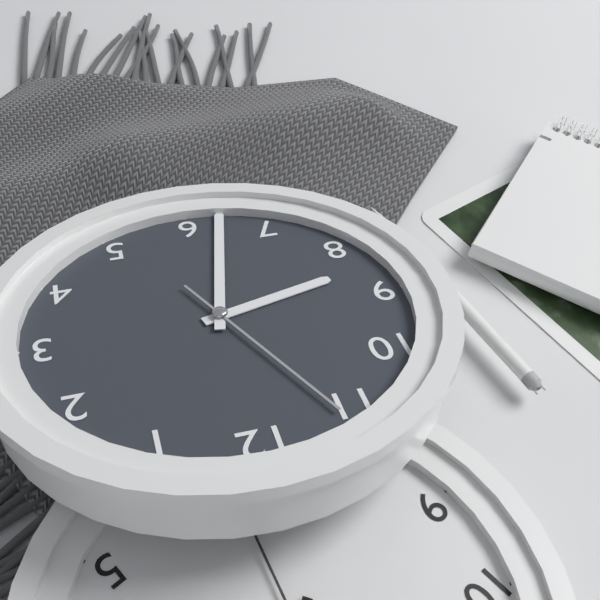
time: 8:32:56
